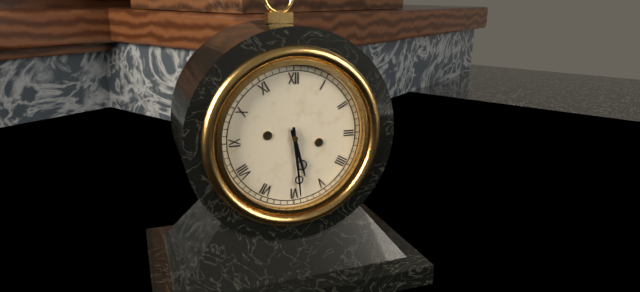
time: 5:29
